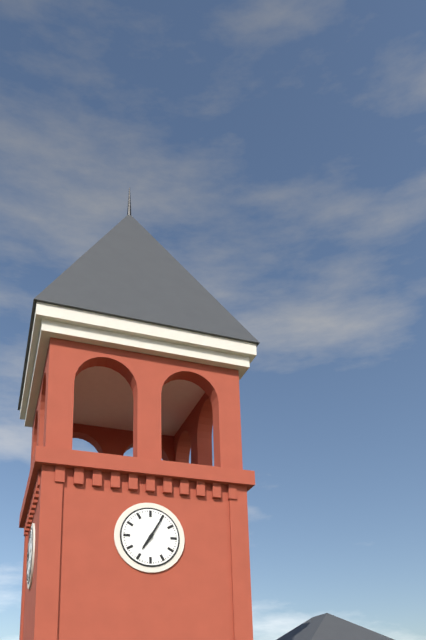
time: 7:05
